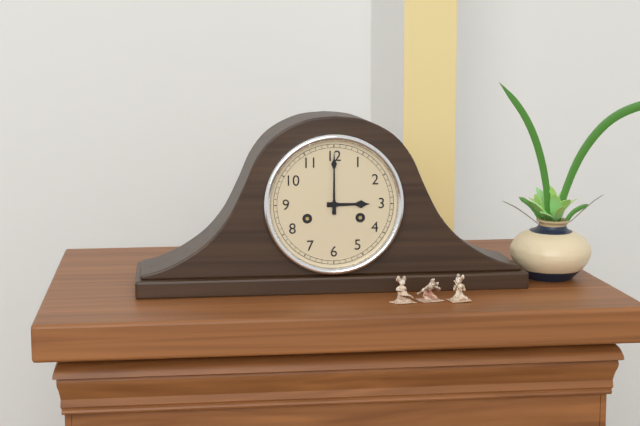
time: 3:00
